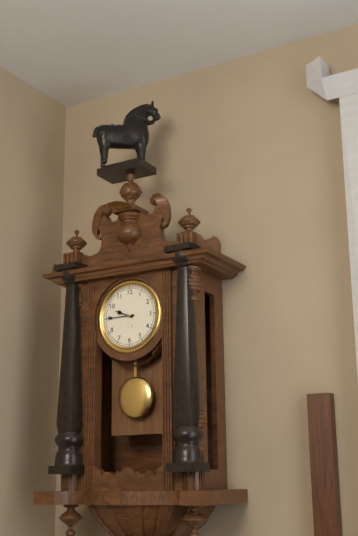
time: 9:45
